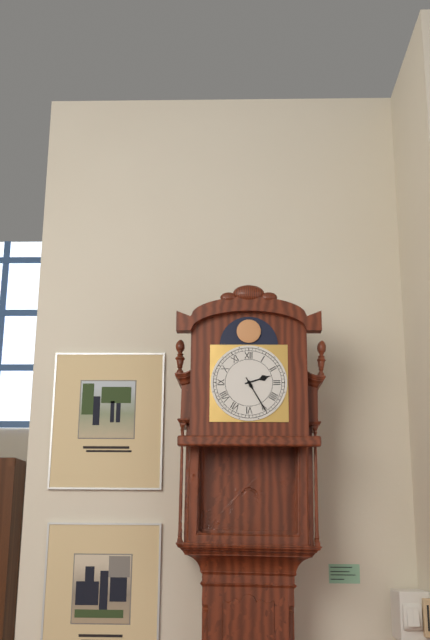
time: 2:25
